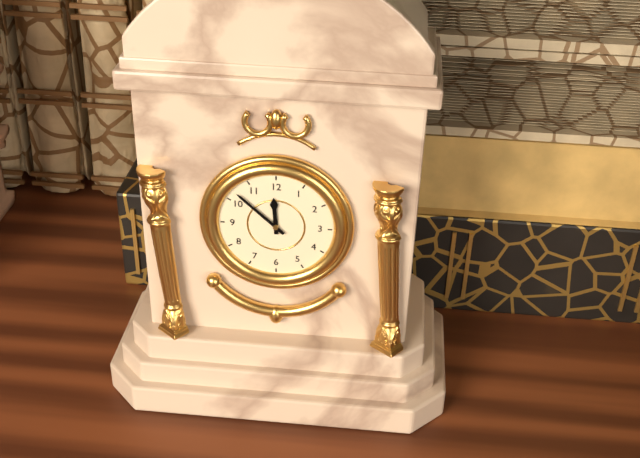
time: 11:52
